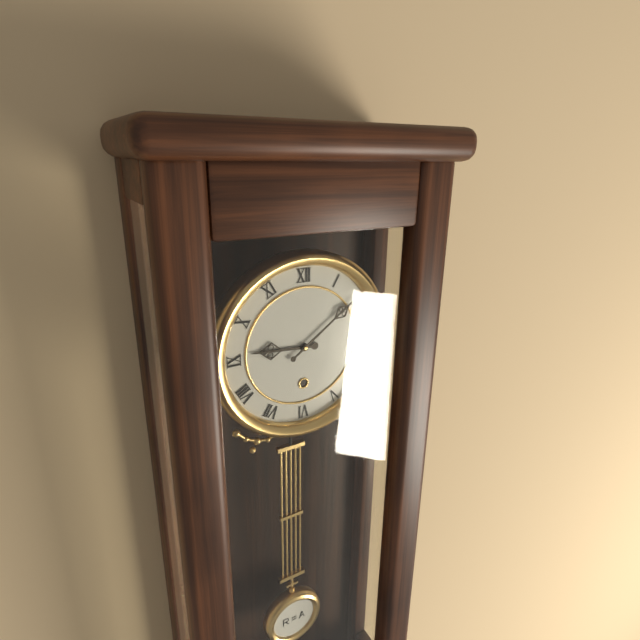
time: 9:09
